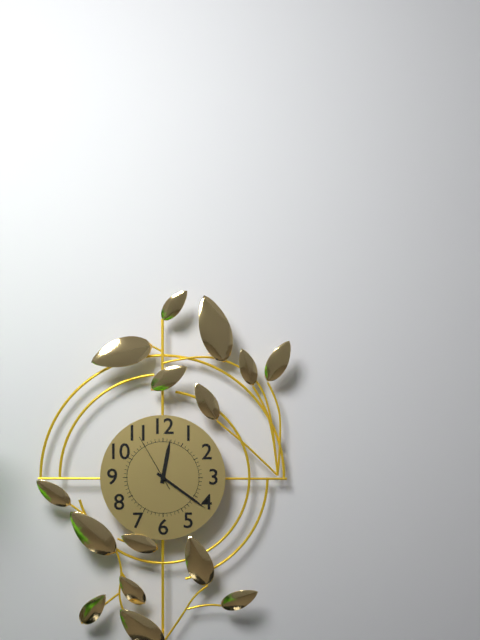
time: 12:21:55
